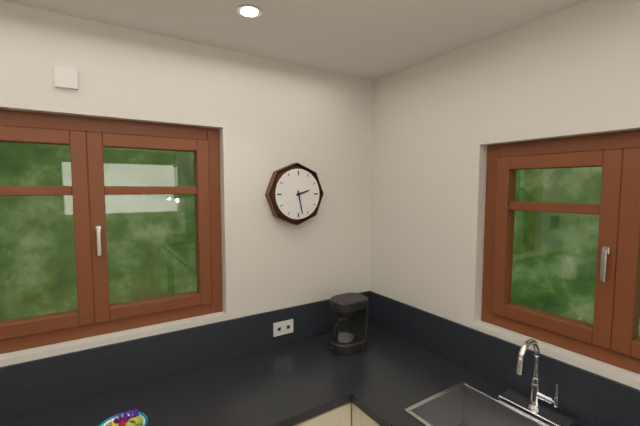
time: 2:28
